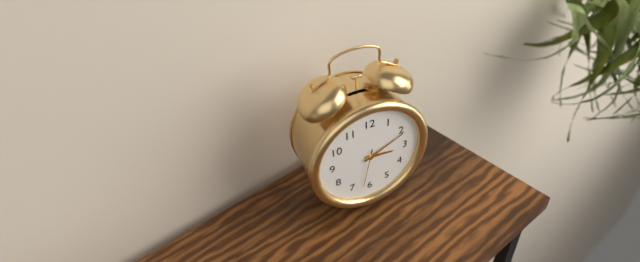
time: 3:11
